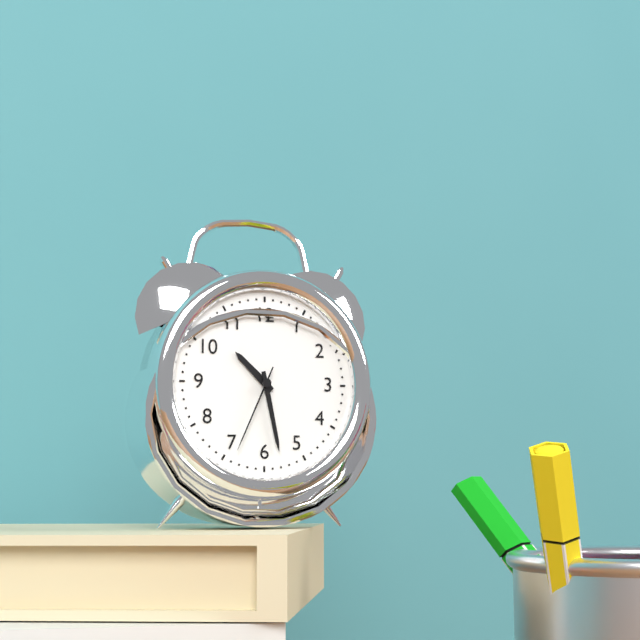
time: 10:28:34
